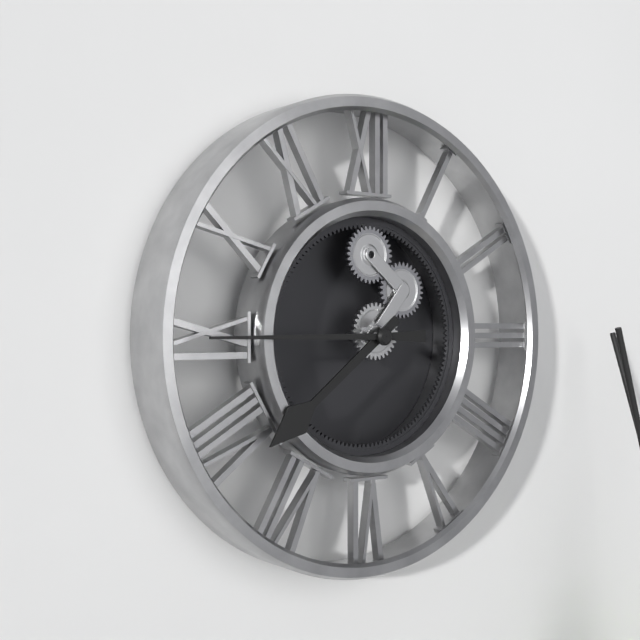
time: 7:45
